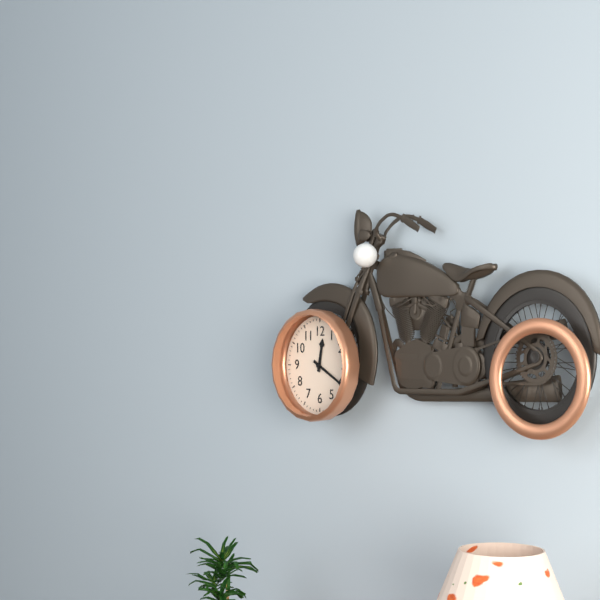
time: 12:20
